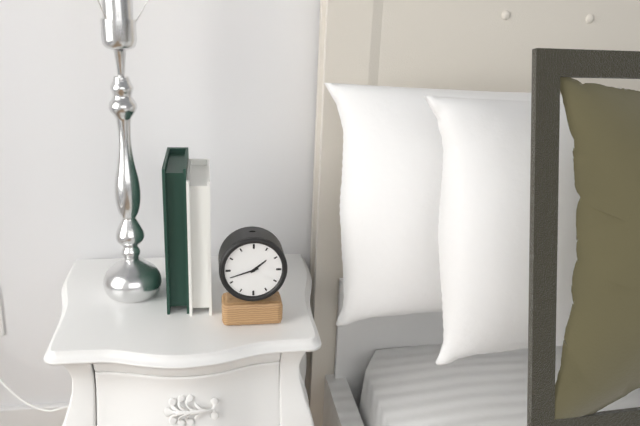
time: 1:42
